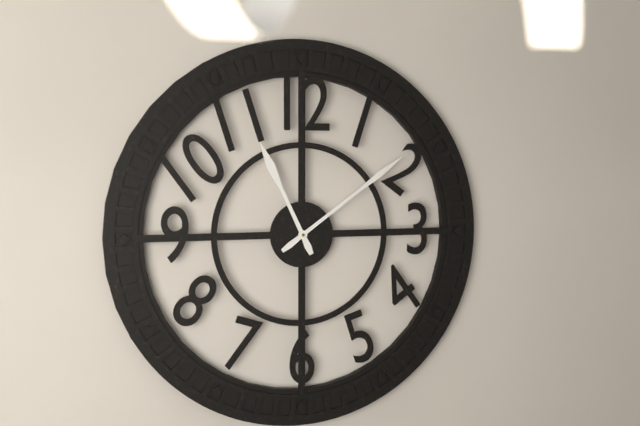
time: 11:09
